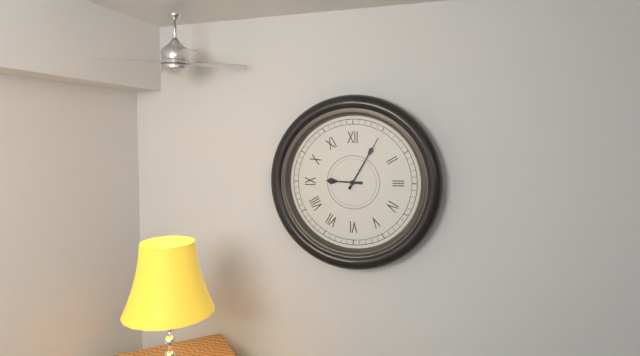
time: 9:05
